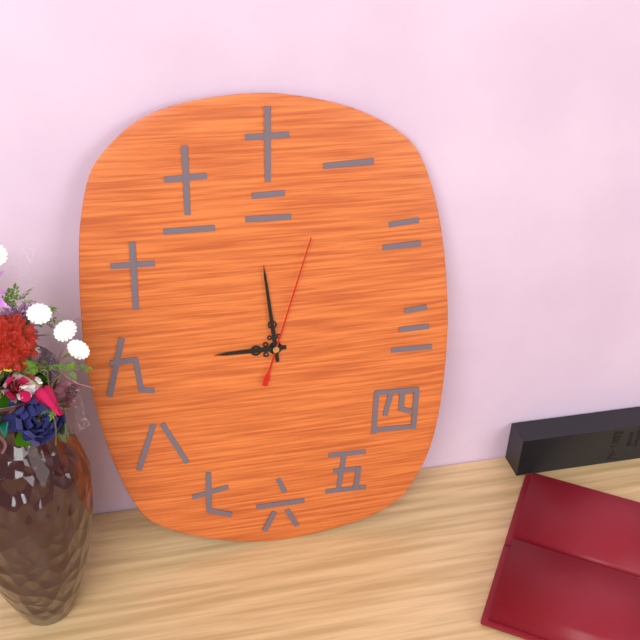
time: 8:59:03
